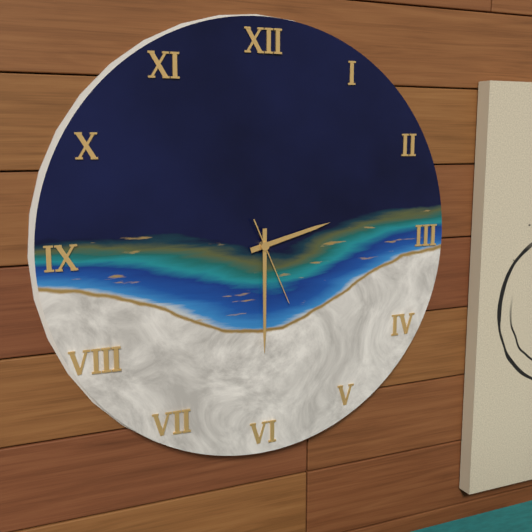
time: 2:30:26
